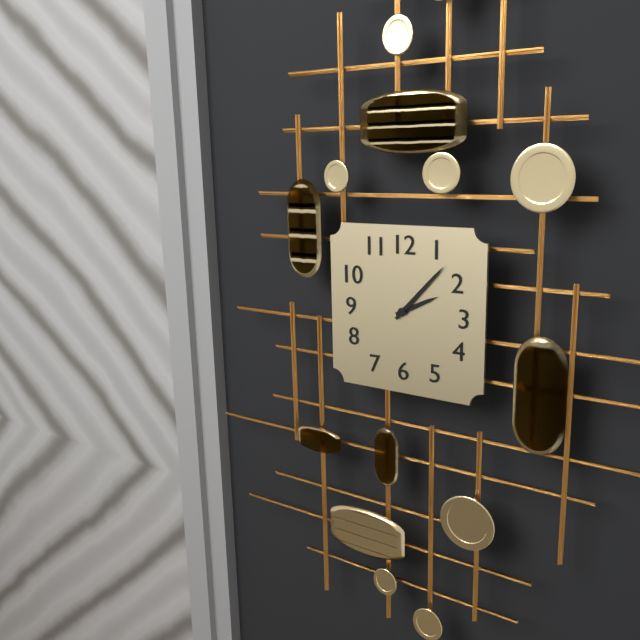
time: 2:07
